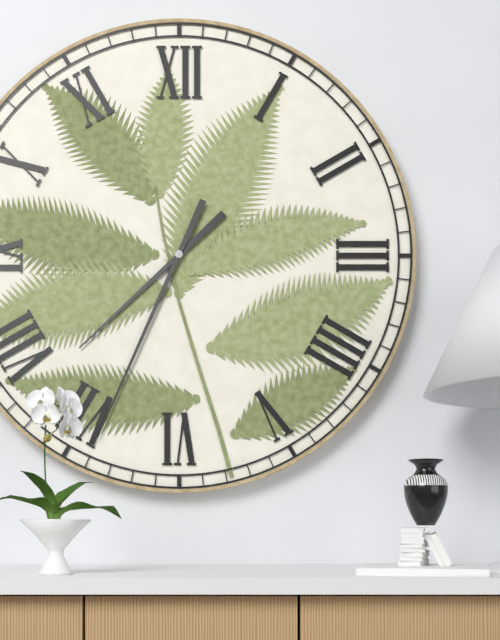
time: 7:34
